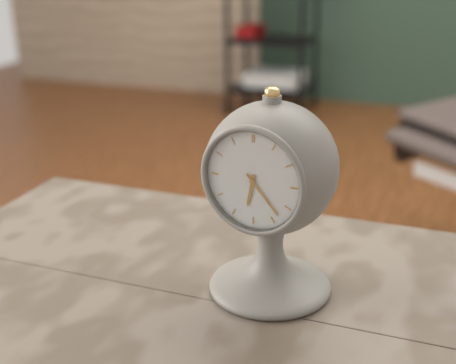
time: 6:23
